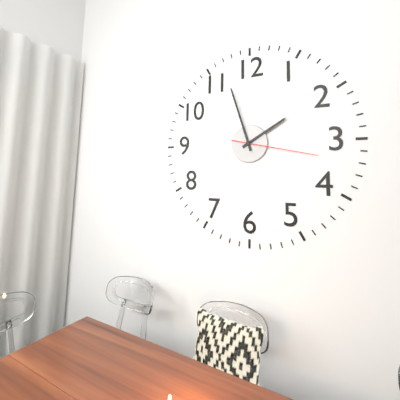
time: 1:57:17
